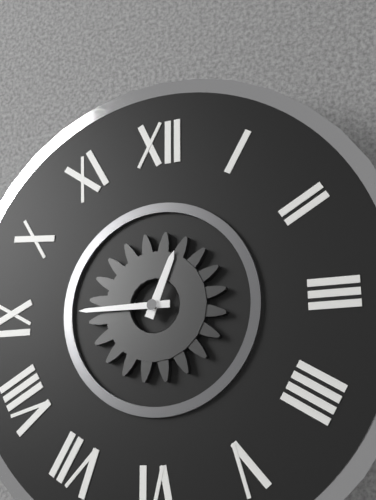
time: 12:45
